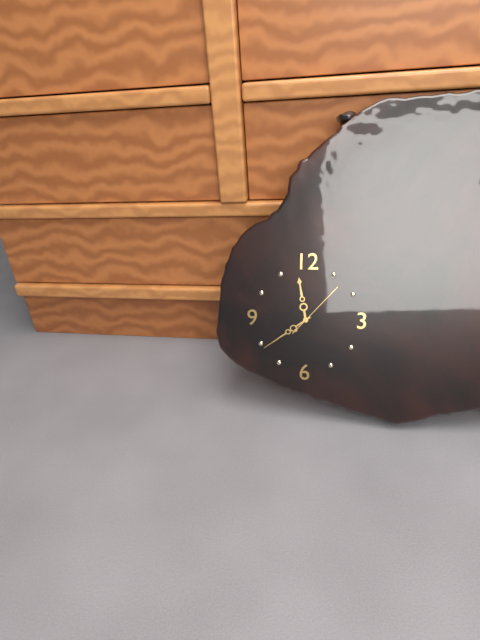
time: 11:39:07
